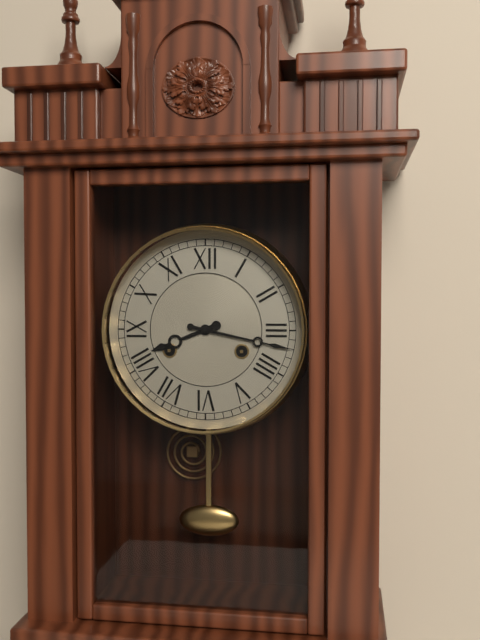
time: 8:17
